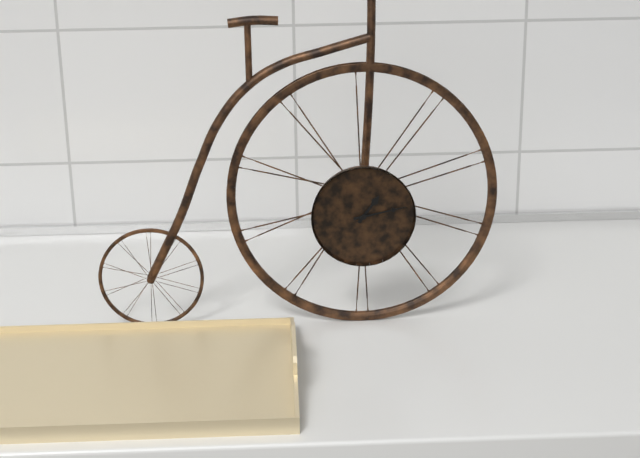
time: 1:13
